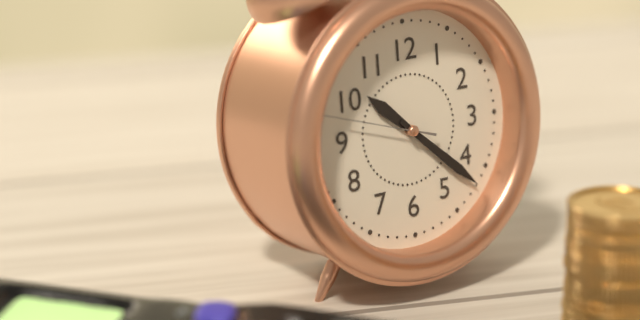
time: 10:22:48
